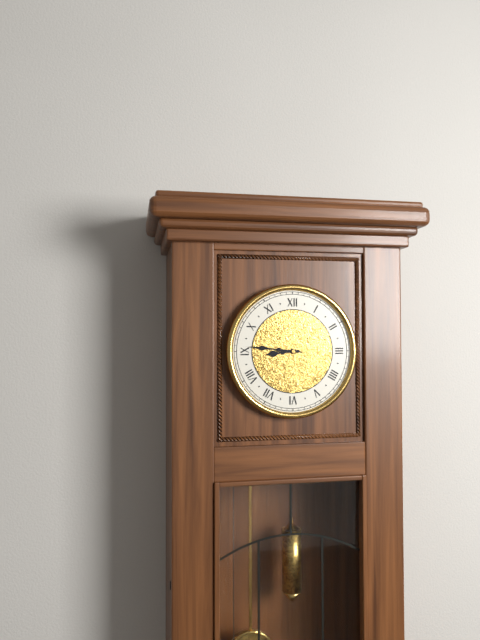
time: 8:46
